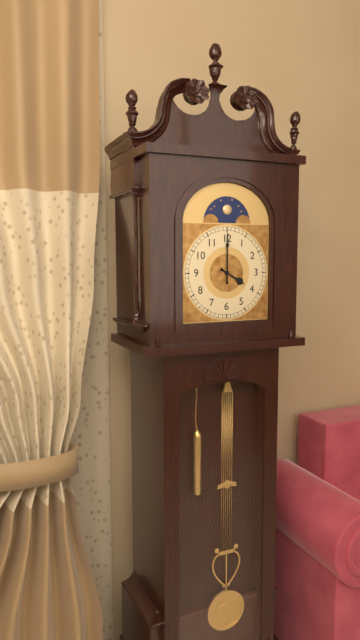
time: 4:00
